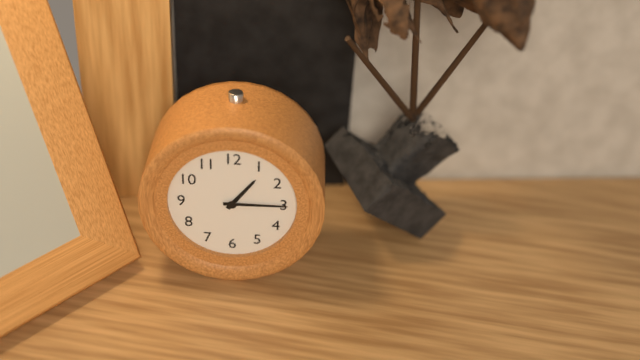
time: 1:15
